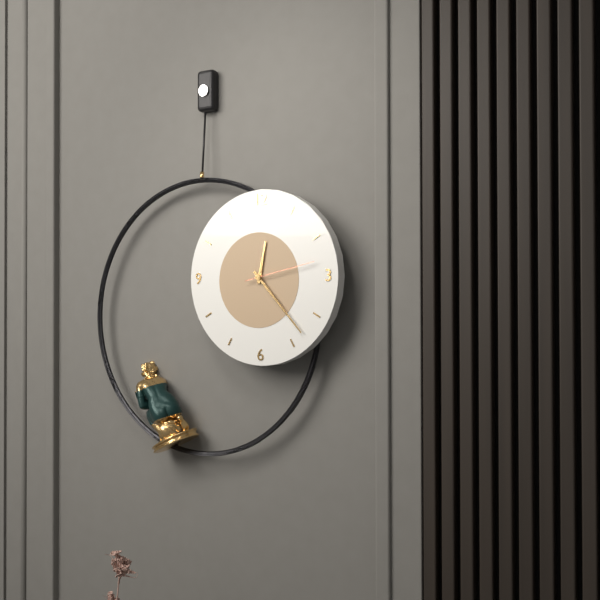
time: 12:23:13
